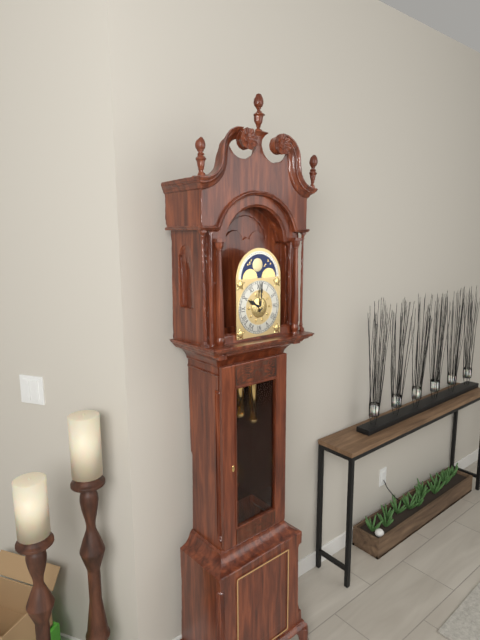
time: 10:01
